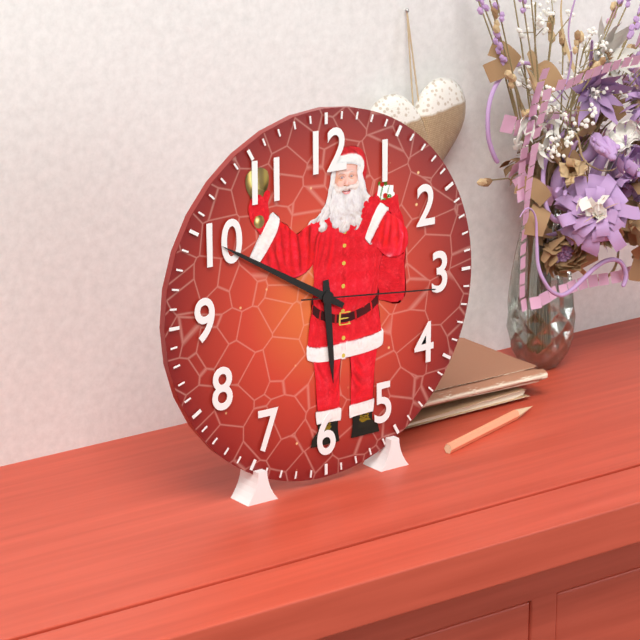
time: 5:50:16
